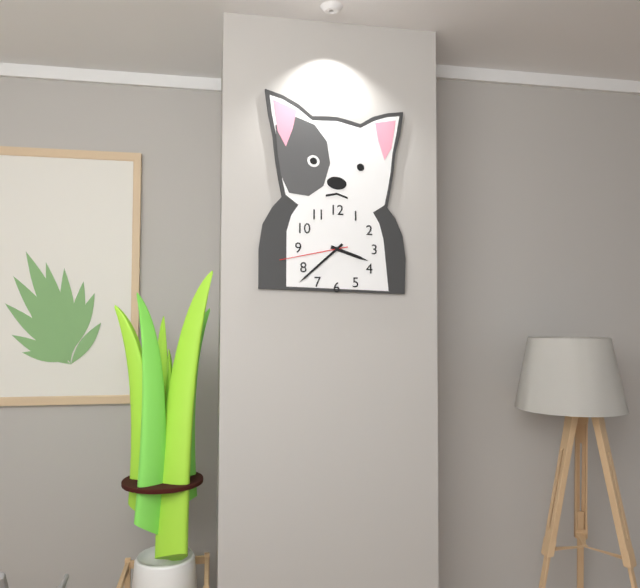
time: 3:38:43
